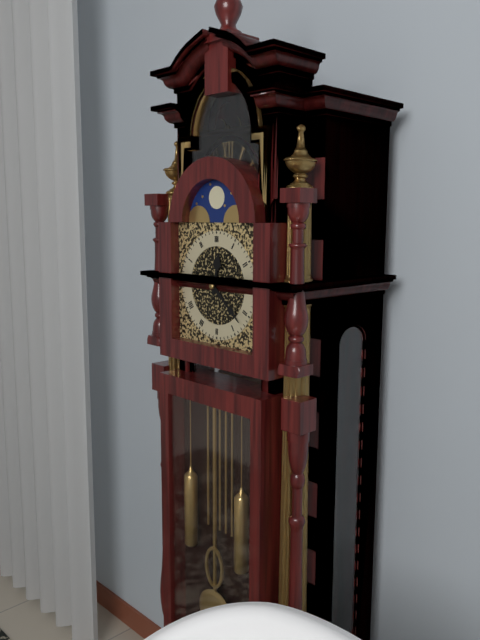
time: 12:22
